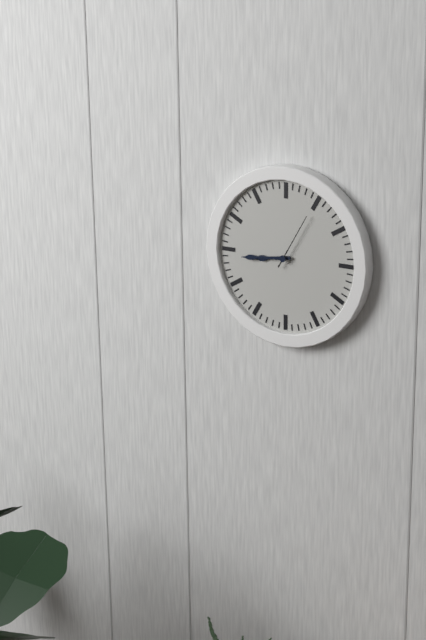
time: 8:44:05
